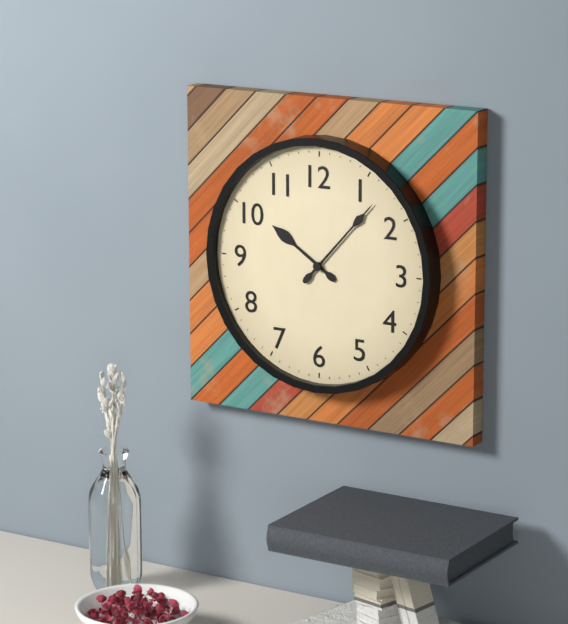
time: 10:07
